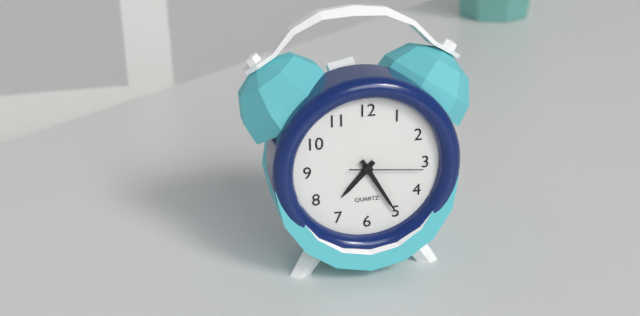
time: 7:25:16
